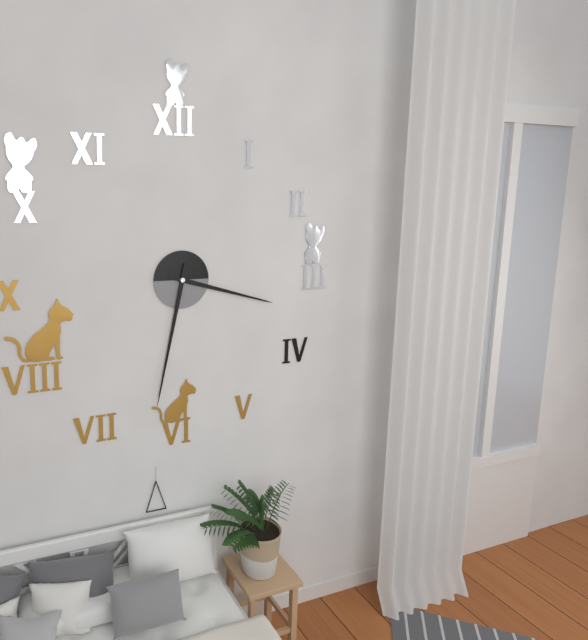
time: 3:32
